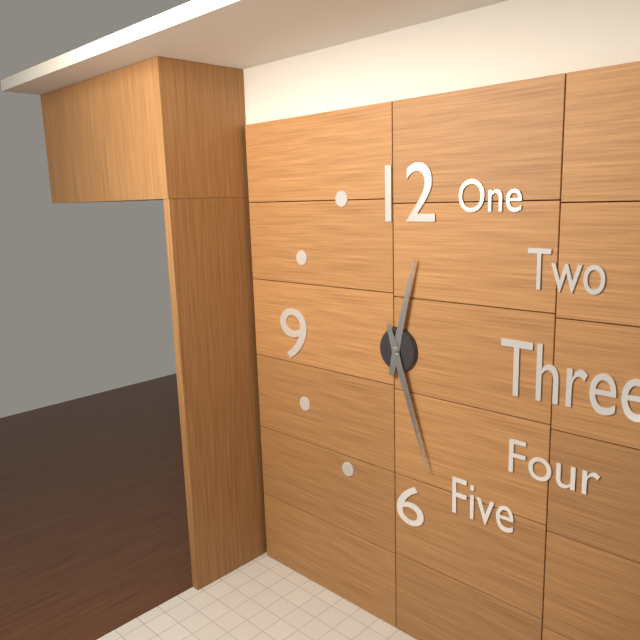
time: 12:27
